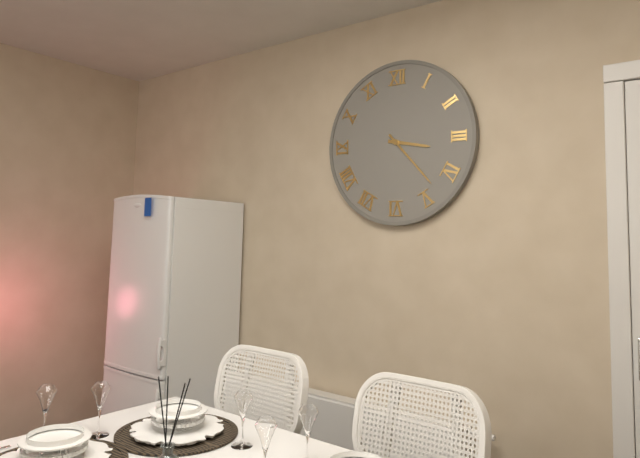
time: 3:23
